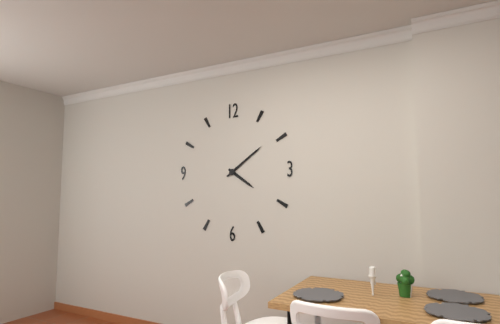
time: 4:09
